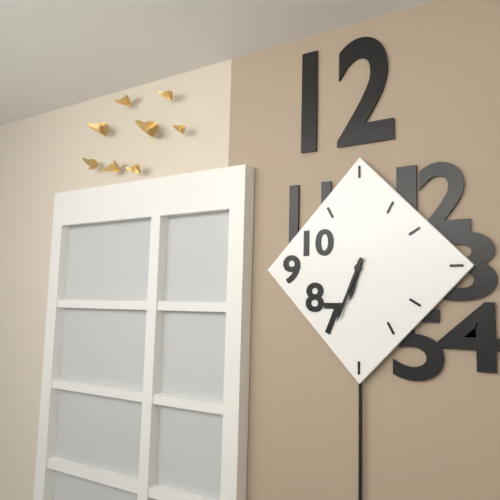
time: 6:34
